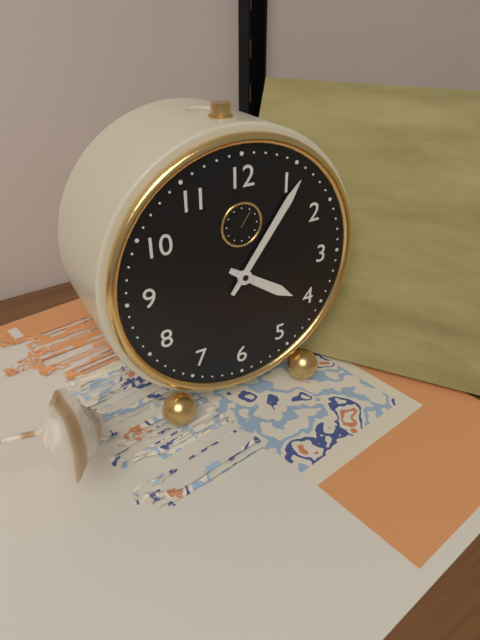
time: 4:06
